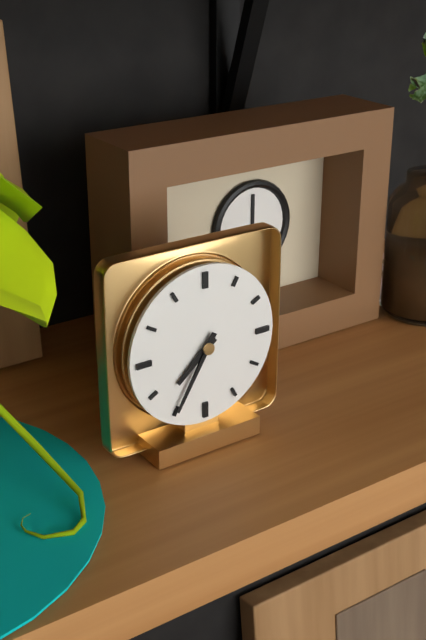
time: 7:35
